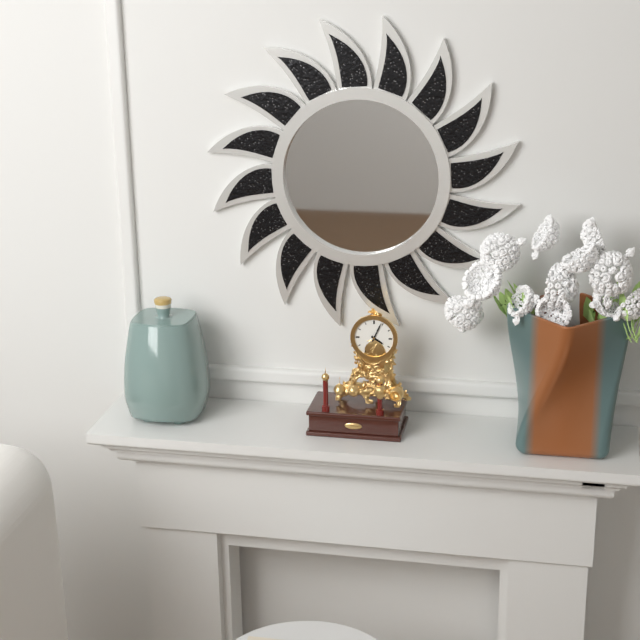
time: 4:04
